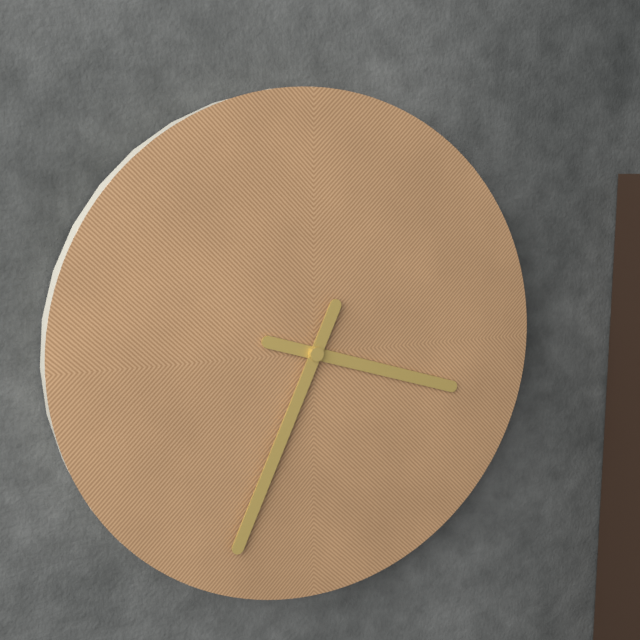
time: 3:34
